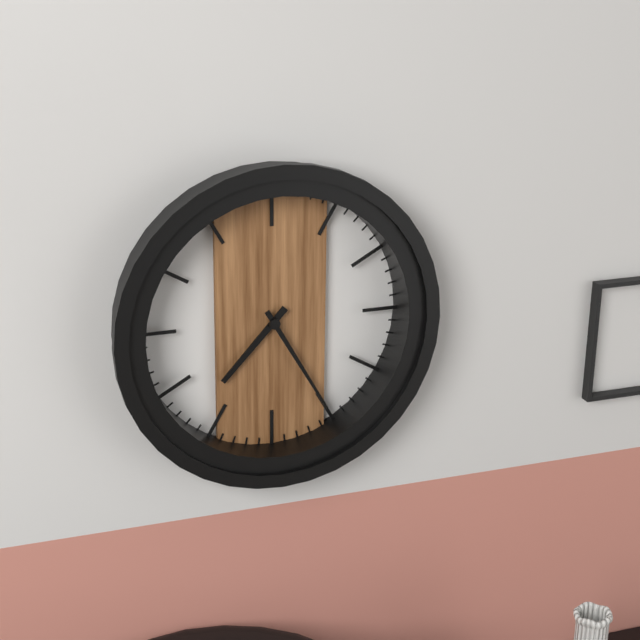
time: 7:25
